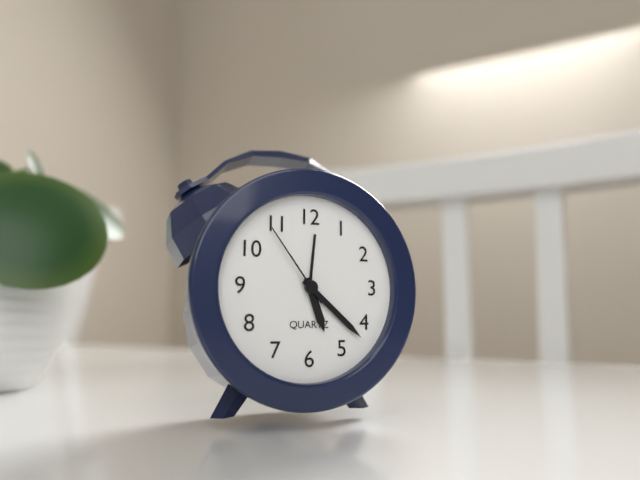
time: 5:22:54
